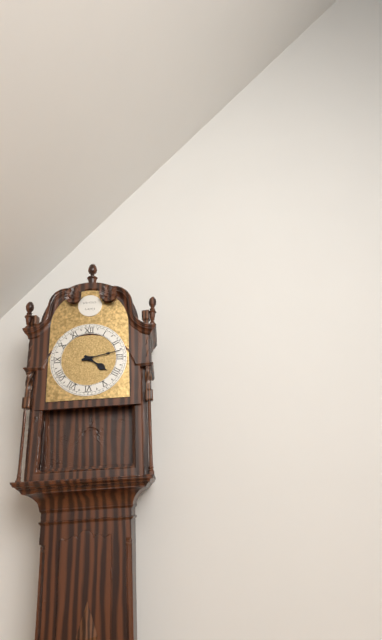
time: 4:13
